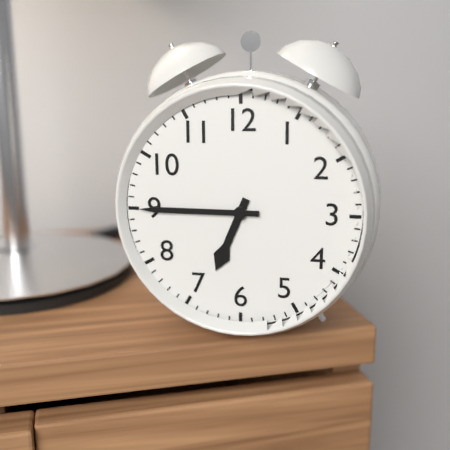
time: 6:45
